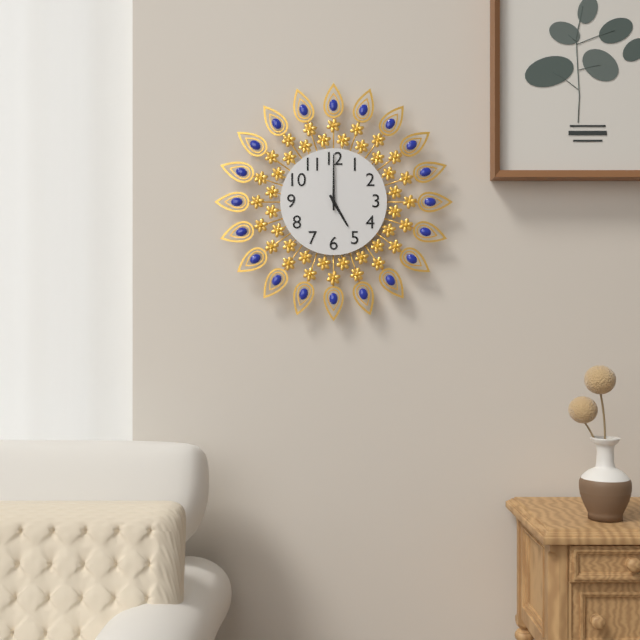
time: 5:00
